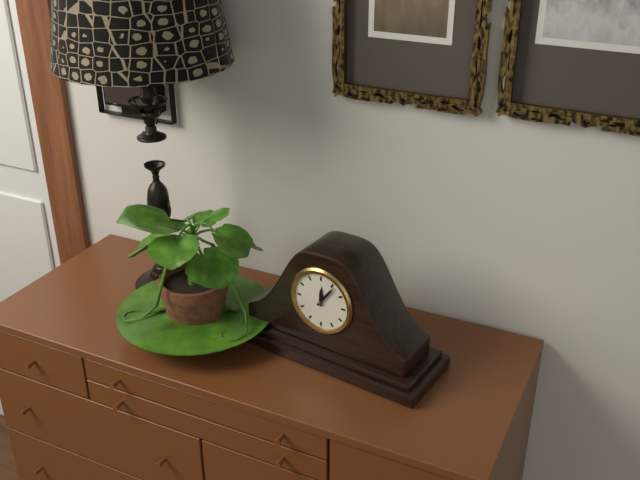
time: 12:06
